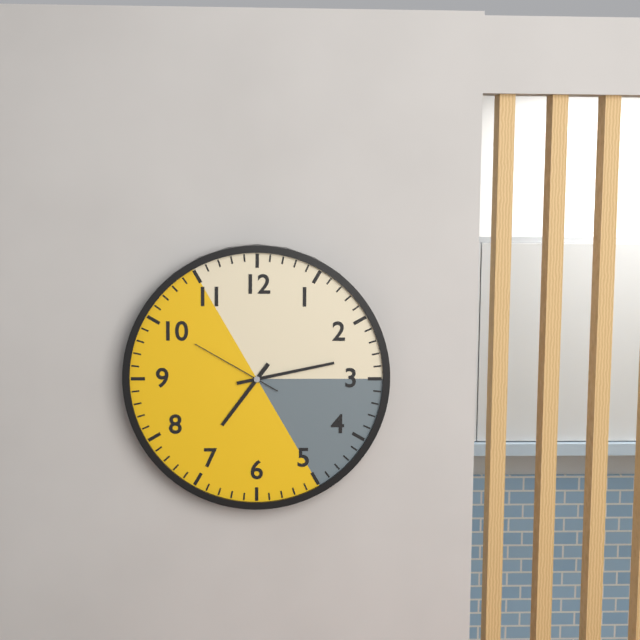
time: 7:13:50
